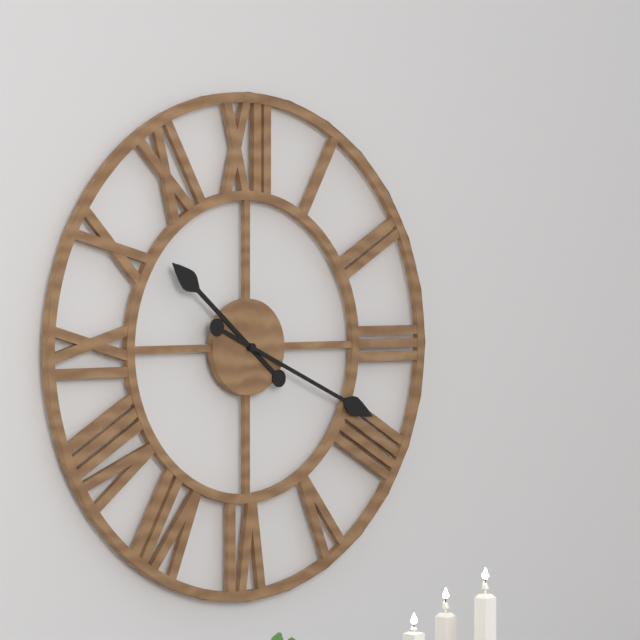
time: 10:19
